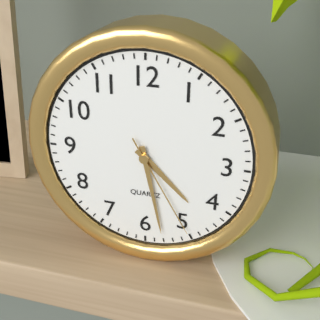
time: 4:28:25
